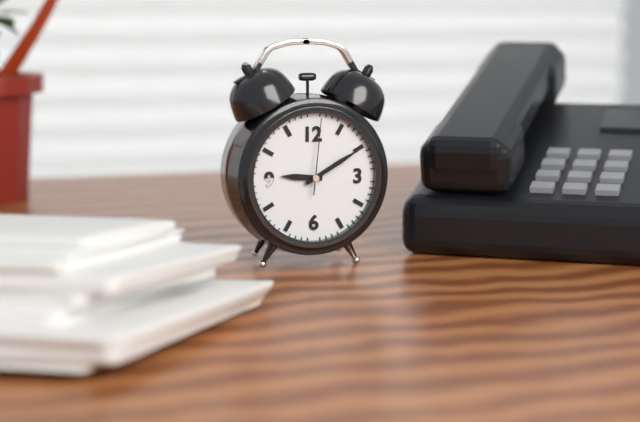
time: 9:10:01
